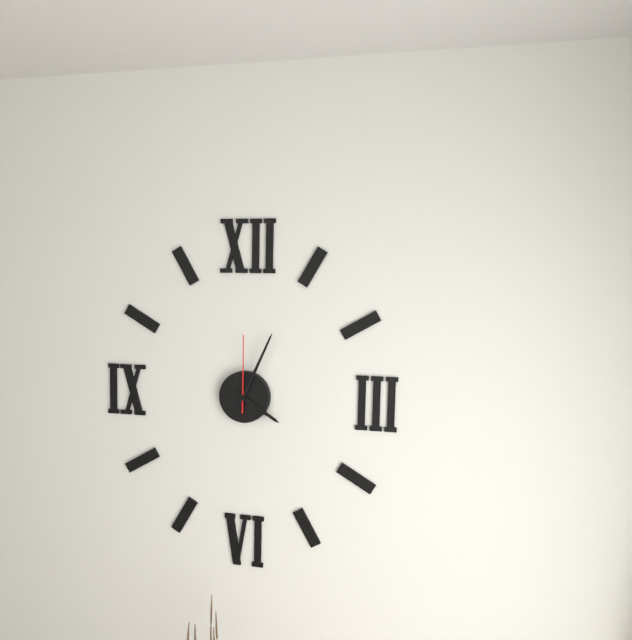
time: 4:04:00
